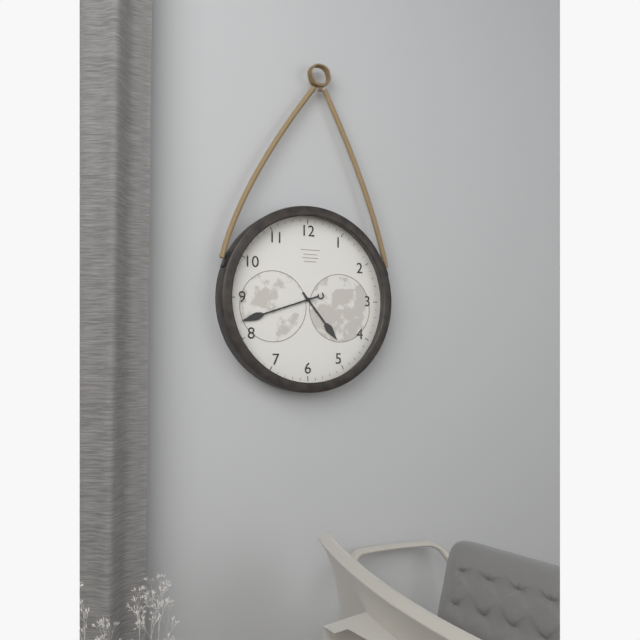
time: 4:42
